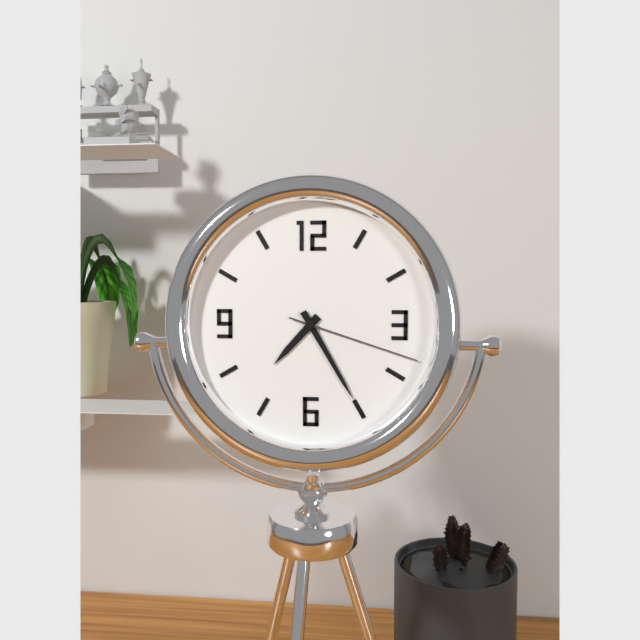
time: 7:25:18
